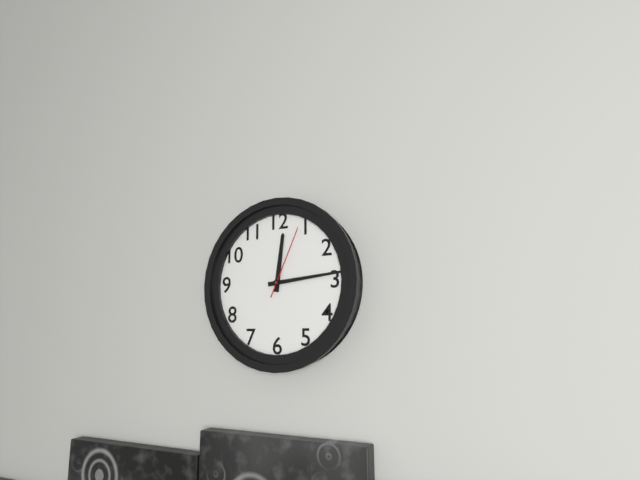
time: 12:14:04
